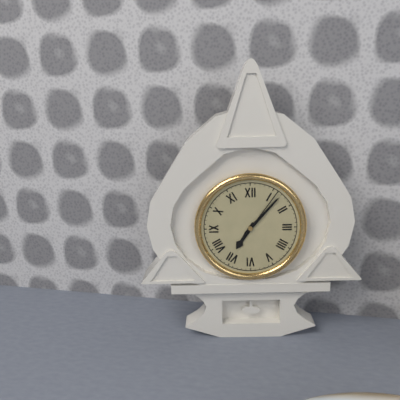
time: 7:07:06
